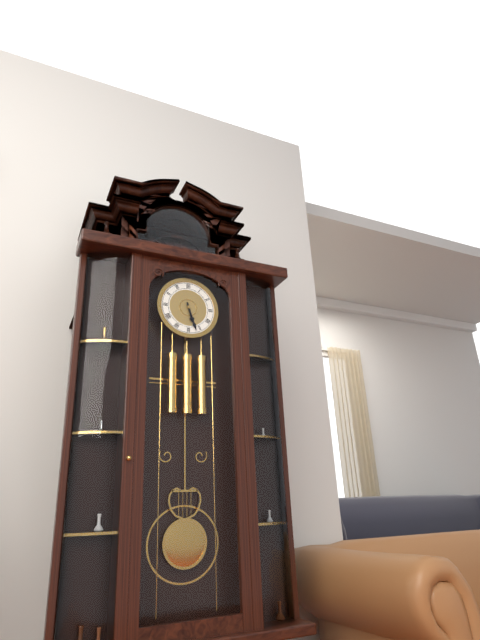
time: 5:27
